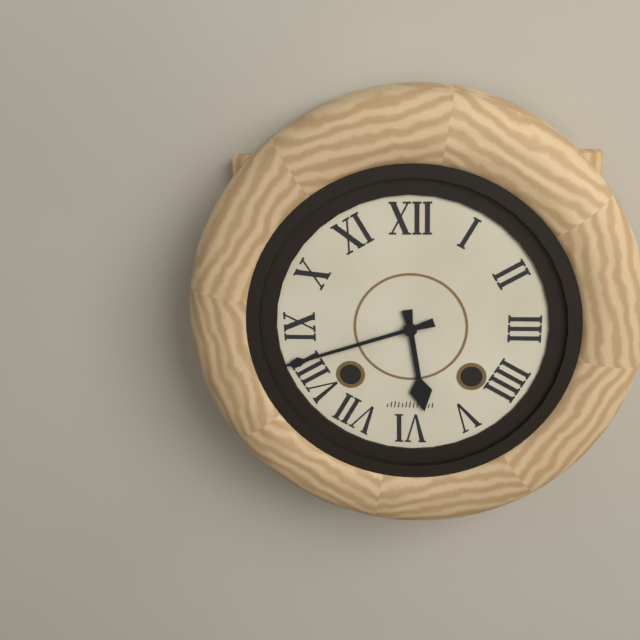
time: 5:42
